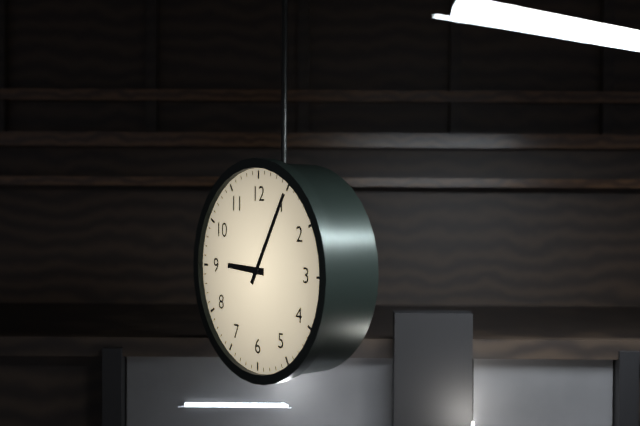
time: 9:05
